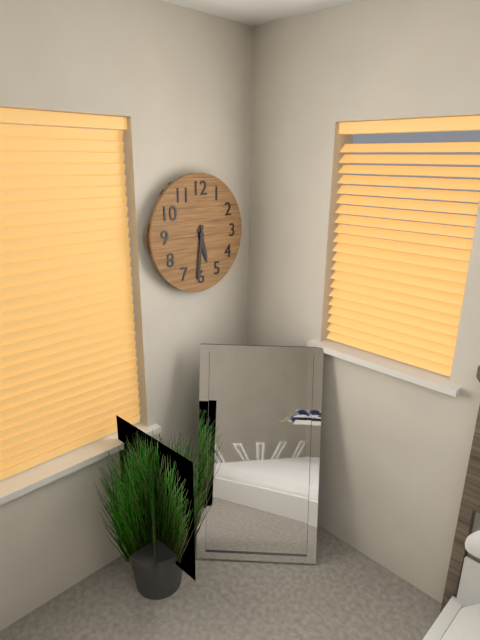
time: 5:31
